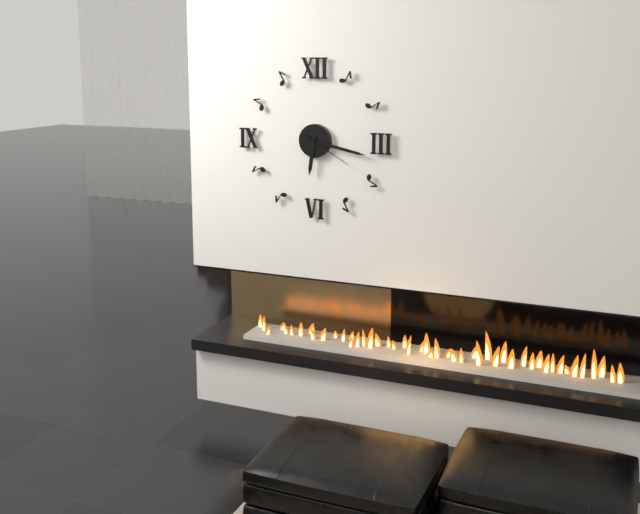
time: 6:17
